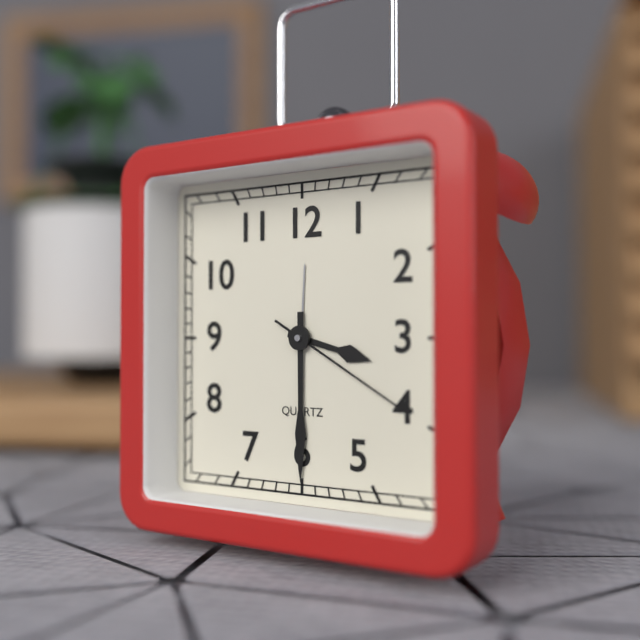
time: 3:30:20
